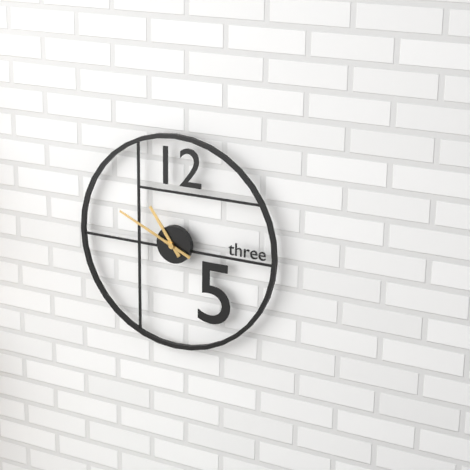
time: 10:49
